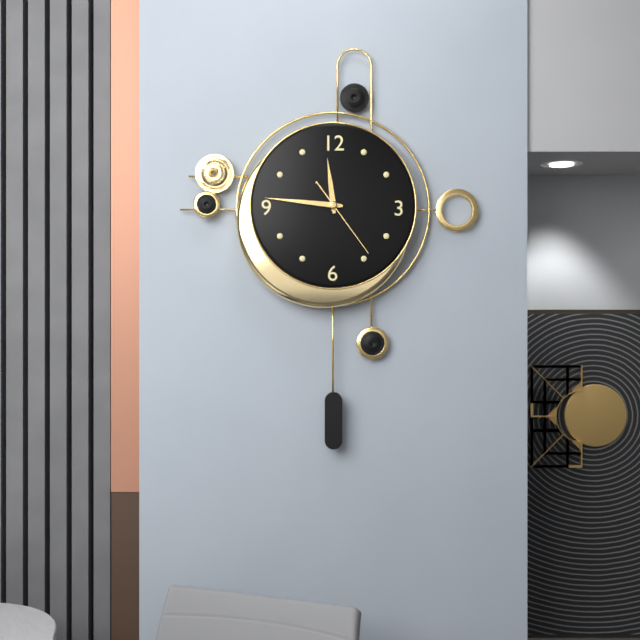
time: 11:46:24
